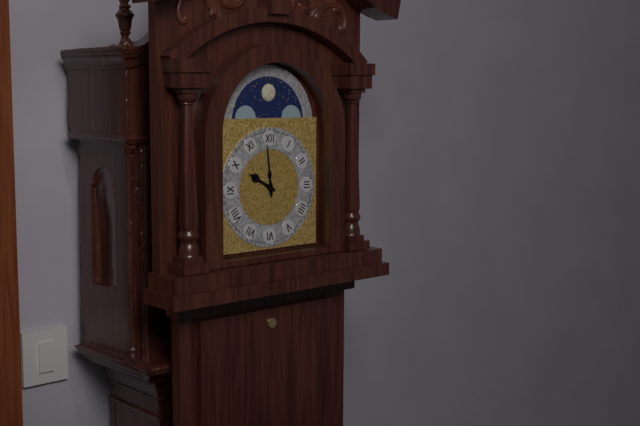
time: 9:59
